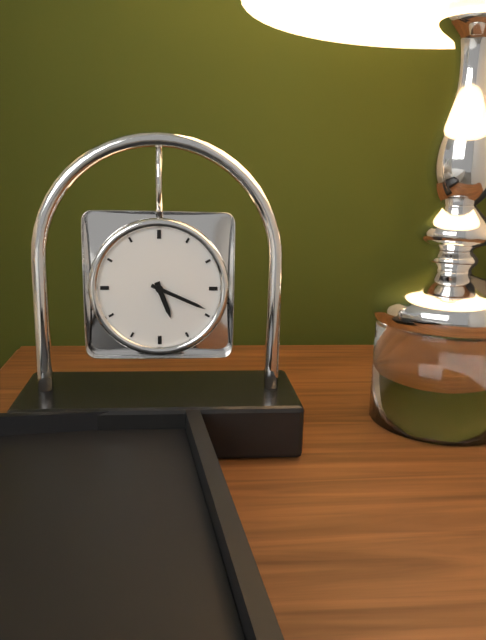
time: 5:19
